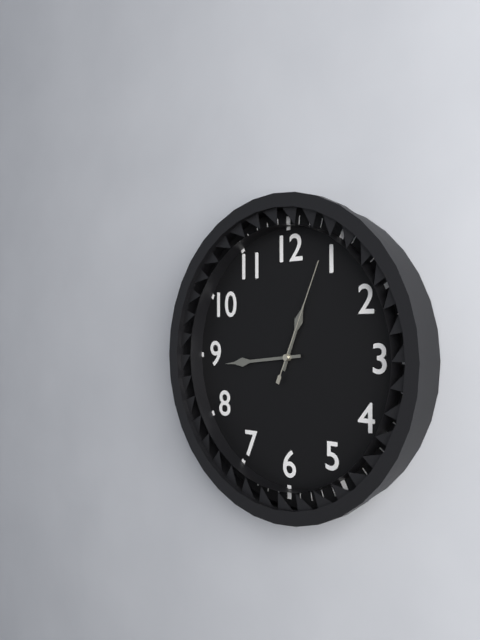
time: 12:44:04
